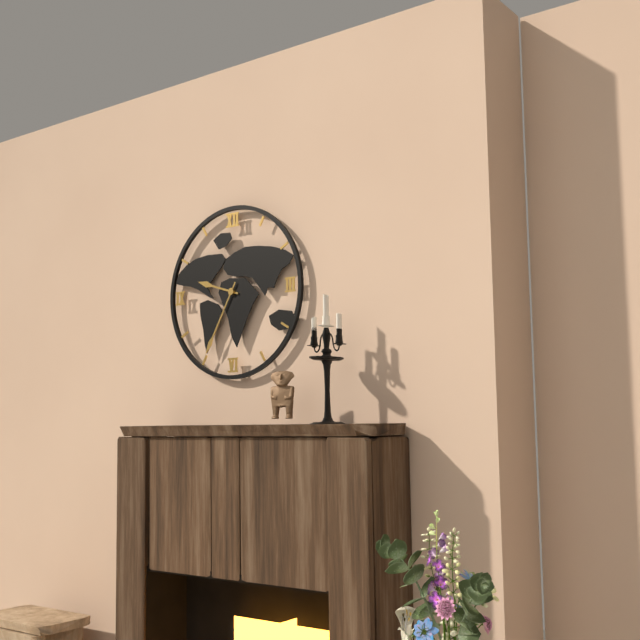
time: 9:35
